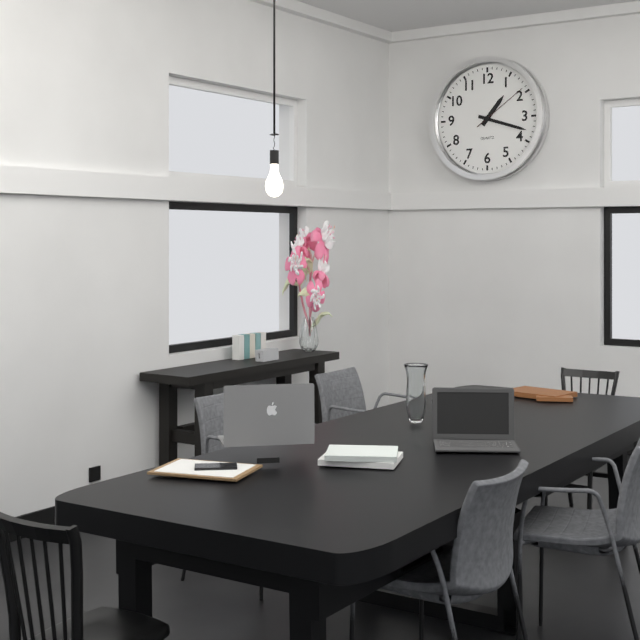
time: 1:18:09
